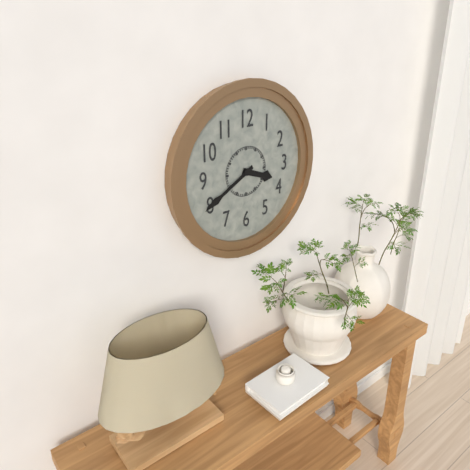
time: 3:40
